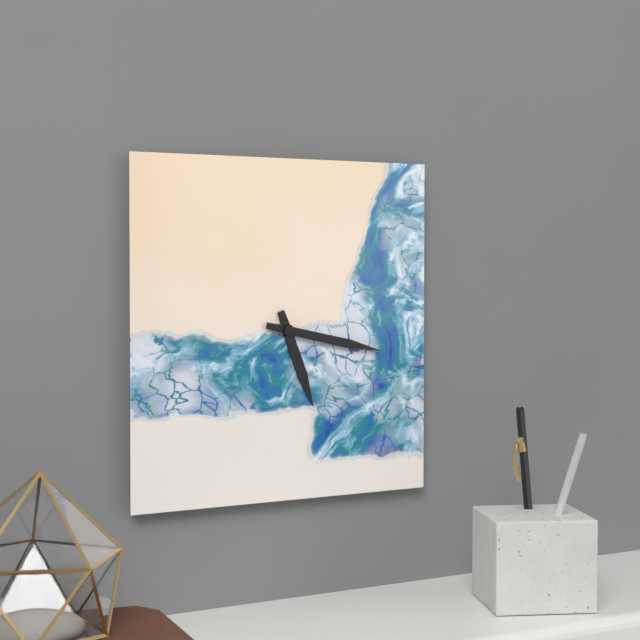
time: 5:17
